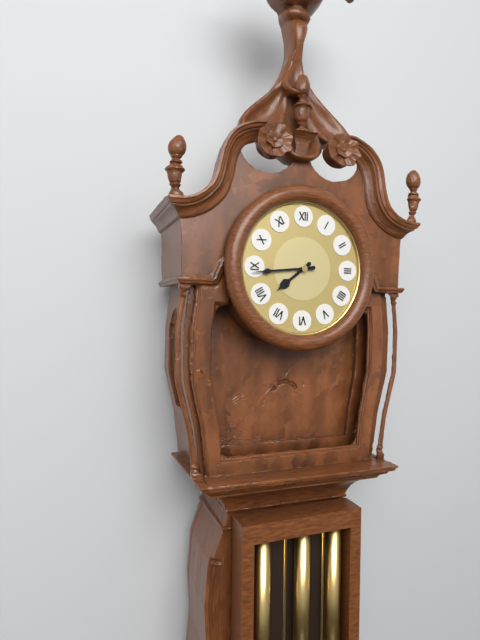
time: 7:44
